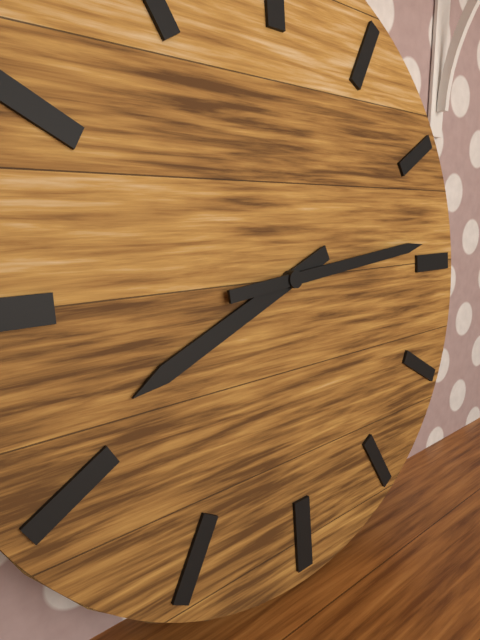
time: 8:14
